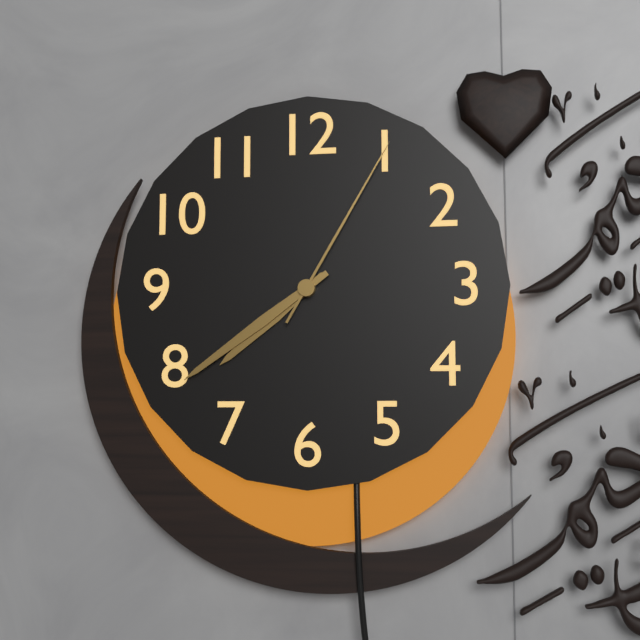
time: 7:39:05
